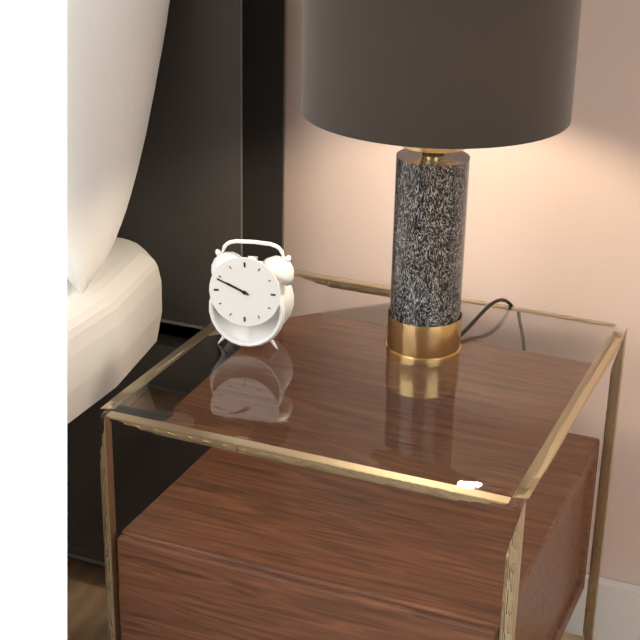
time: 9:49
